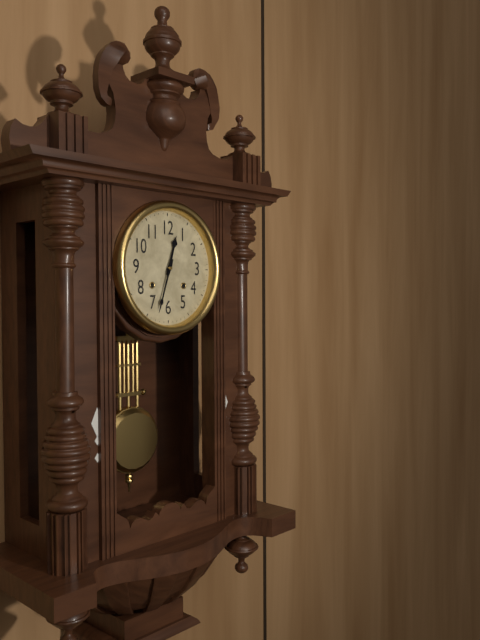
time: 12:33
